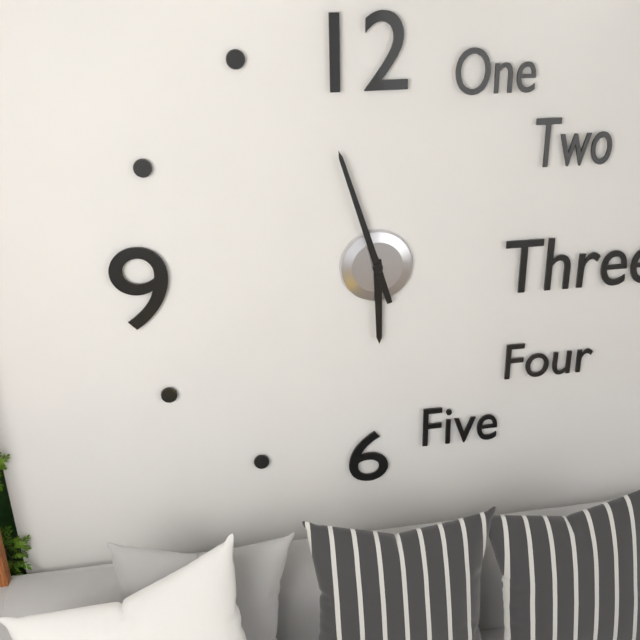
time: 5:57
